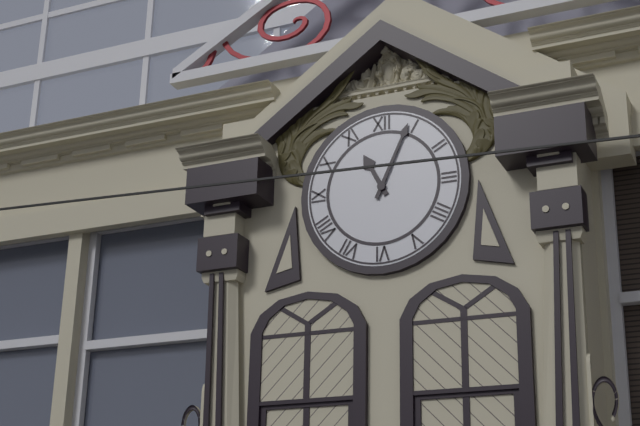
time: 11:04
